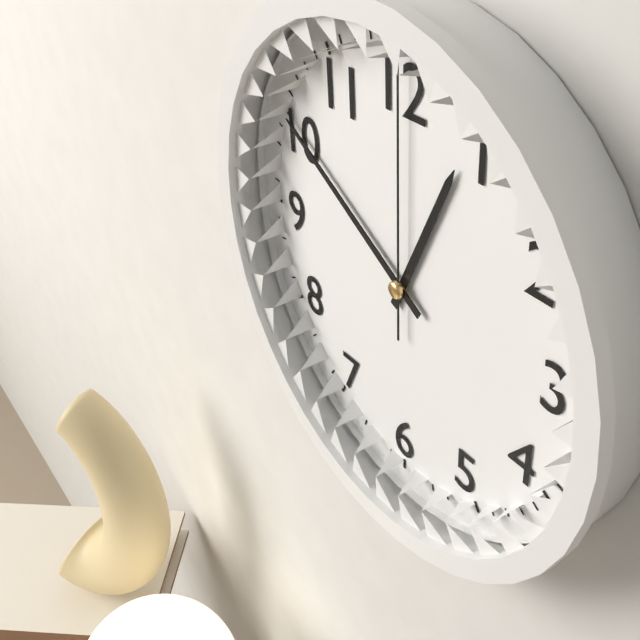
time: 12:50:00
